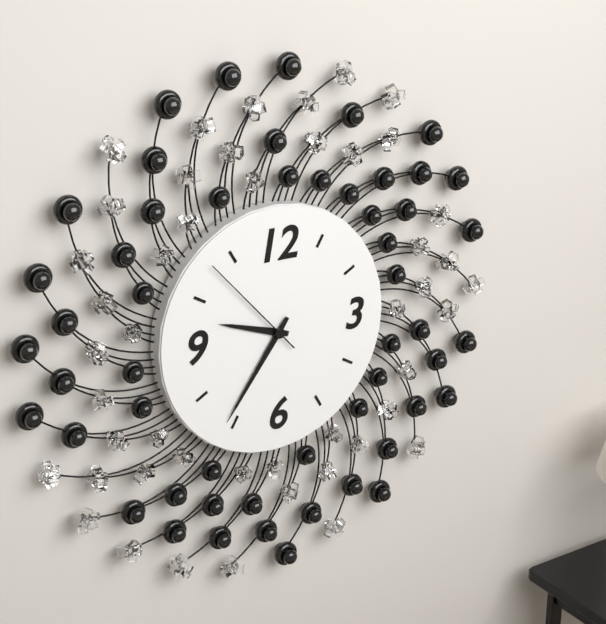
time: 9:36:53
